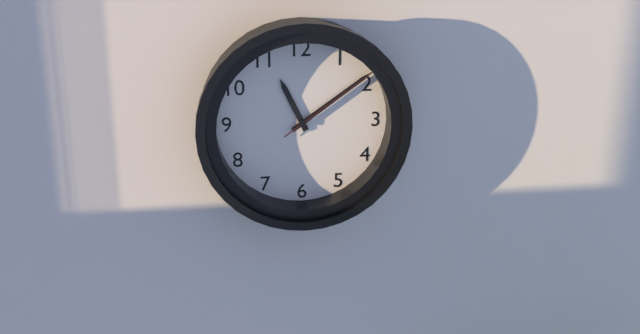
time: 11:09:09
